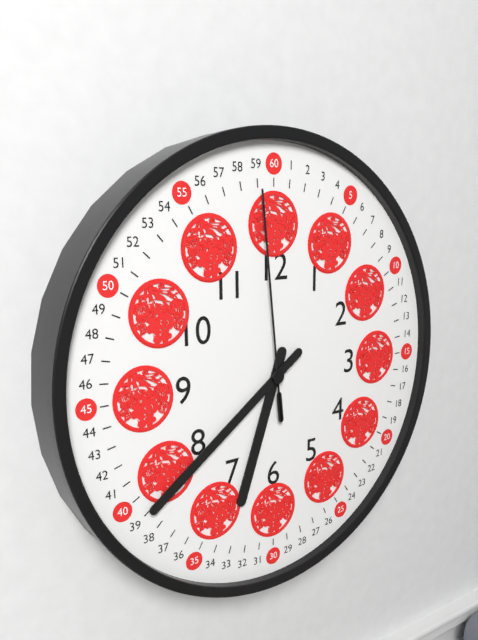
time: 6:39:59
